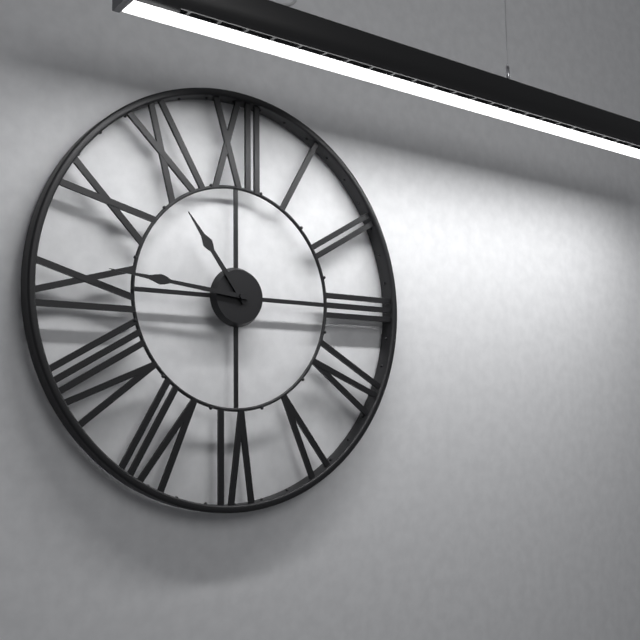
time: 10:46
